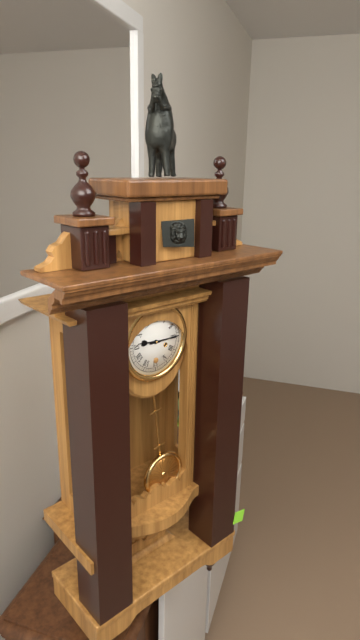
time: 9:15
